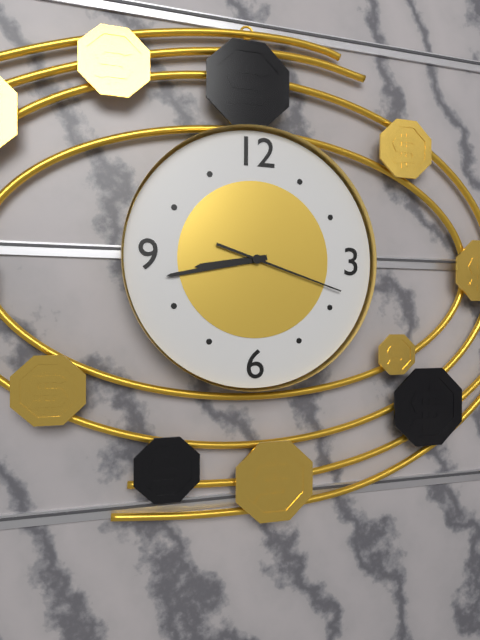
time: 8:43:18
